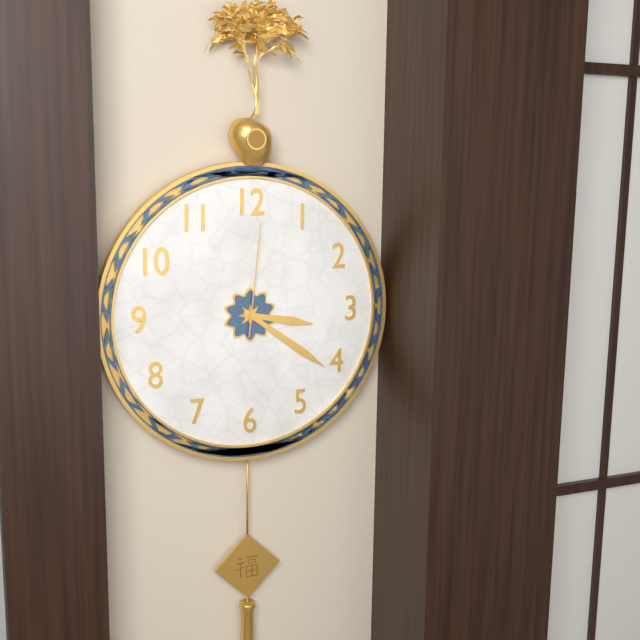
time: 3:21:01
